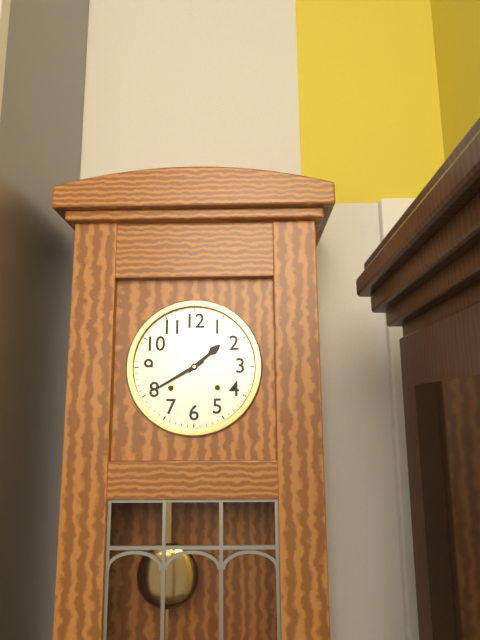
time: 1:40
